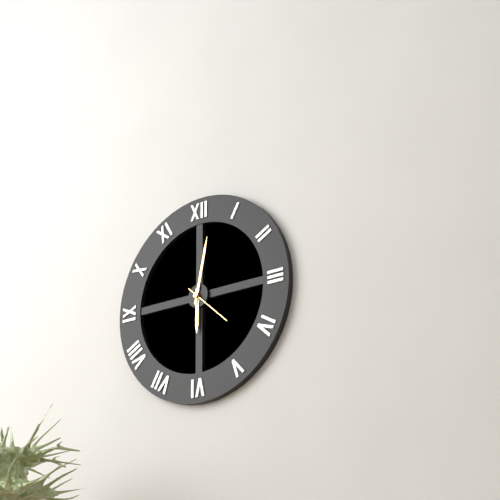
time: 6:02
